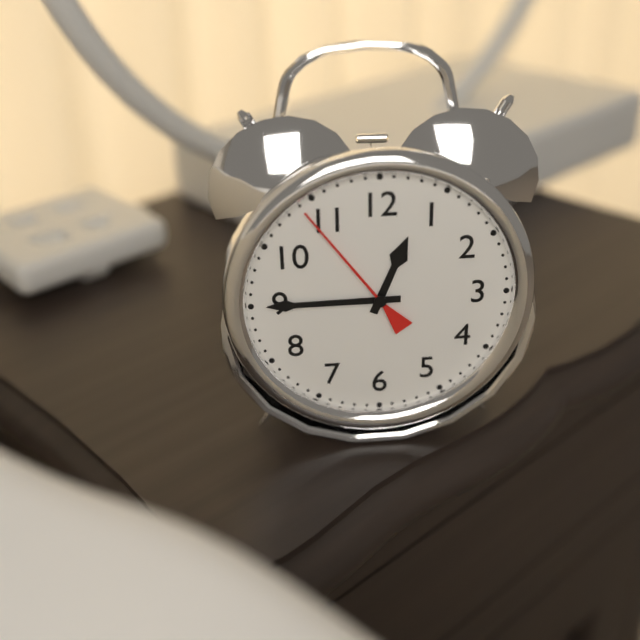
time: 12:45:54
